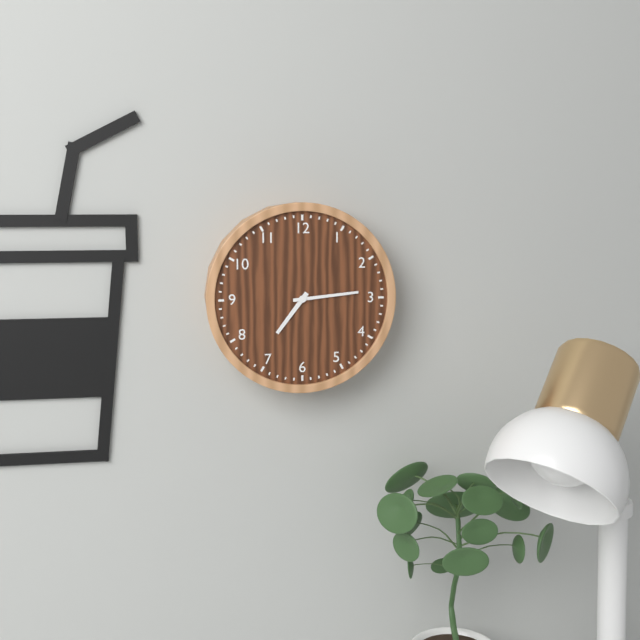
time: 7:14
